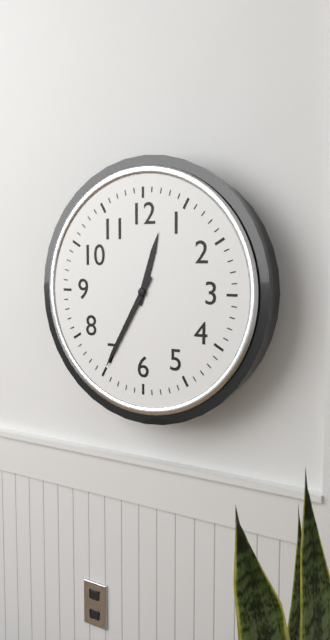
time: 12:35
